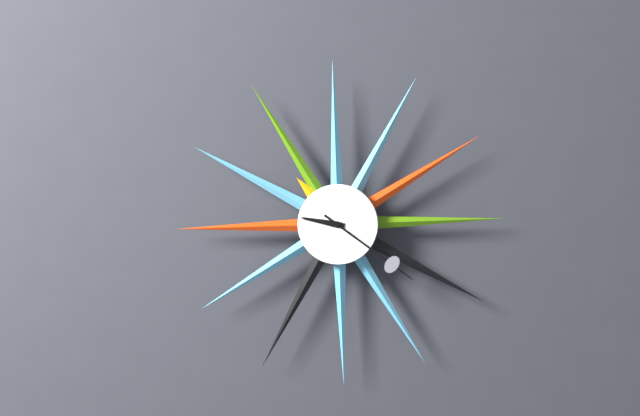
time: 9:21
